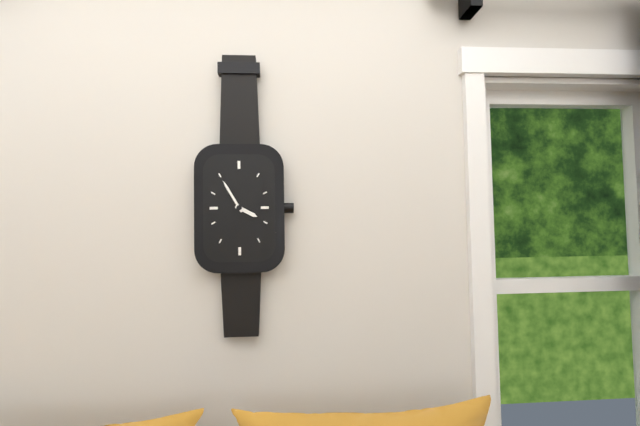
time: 3:55
